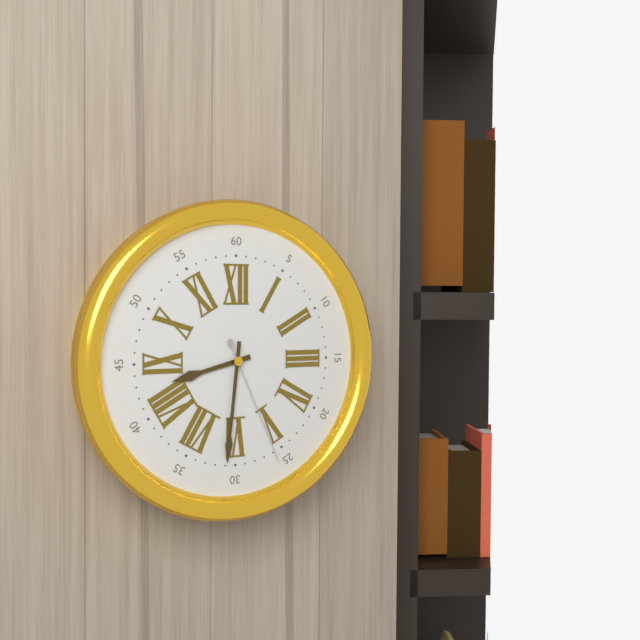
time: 8:31:26
